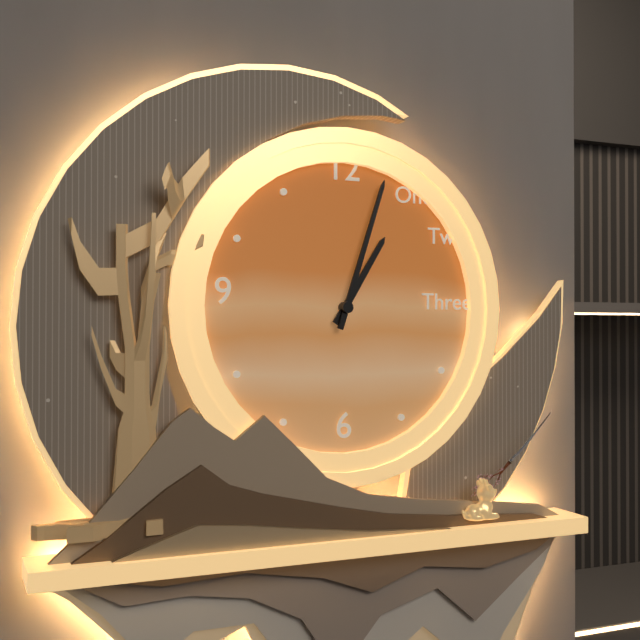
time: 1:03
